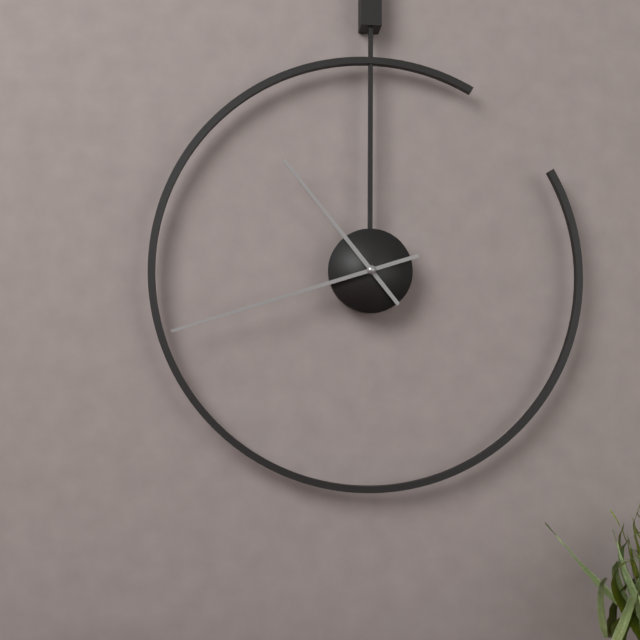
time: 10:42
